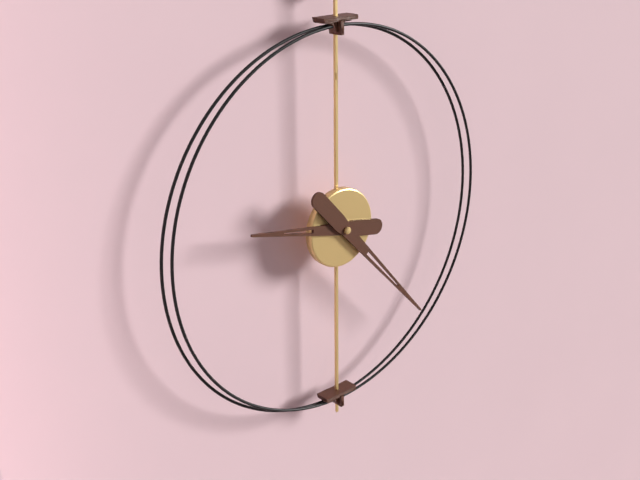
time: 9:23
